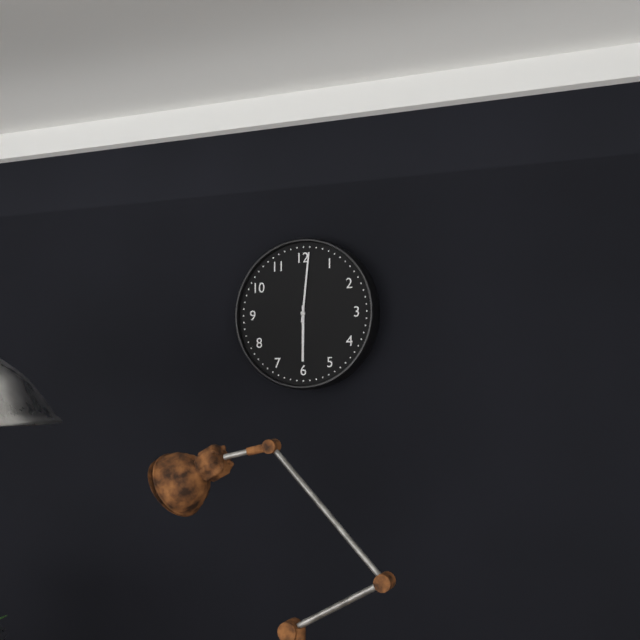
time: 6:01
